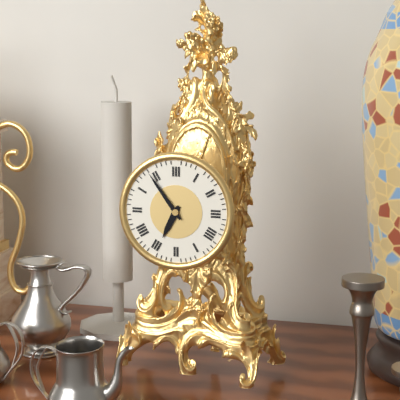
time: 6:54
